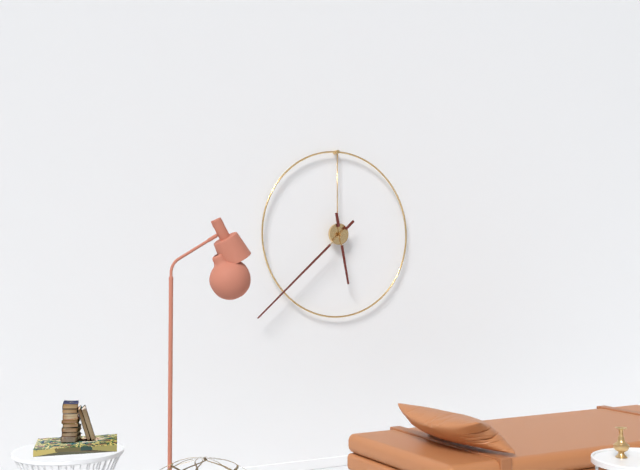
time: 5:38
